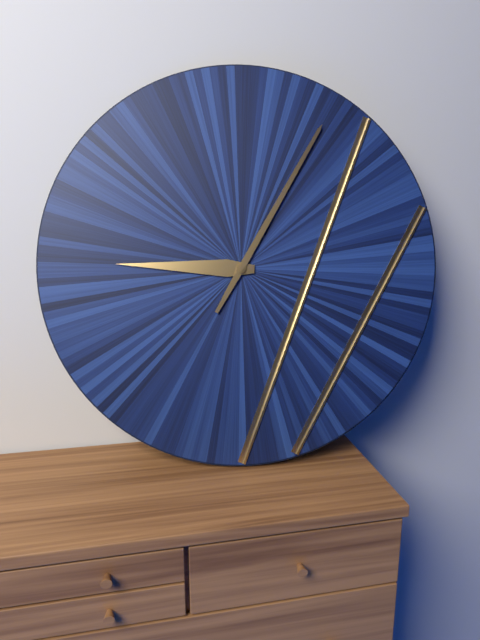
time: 9:05
